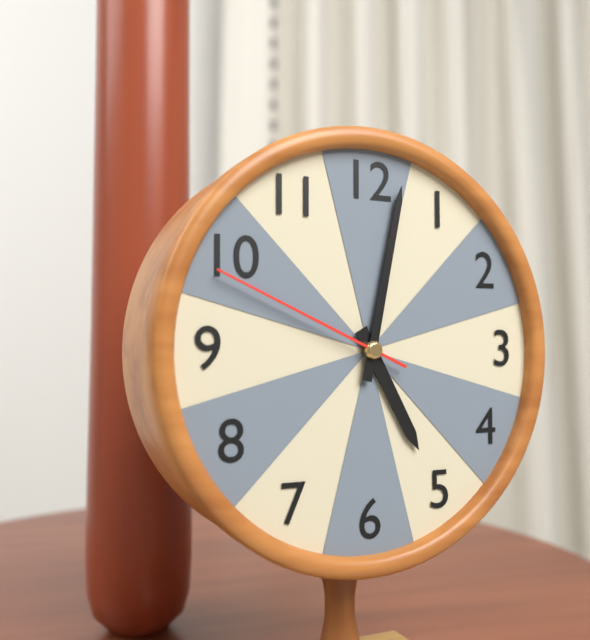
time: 5:02:49
